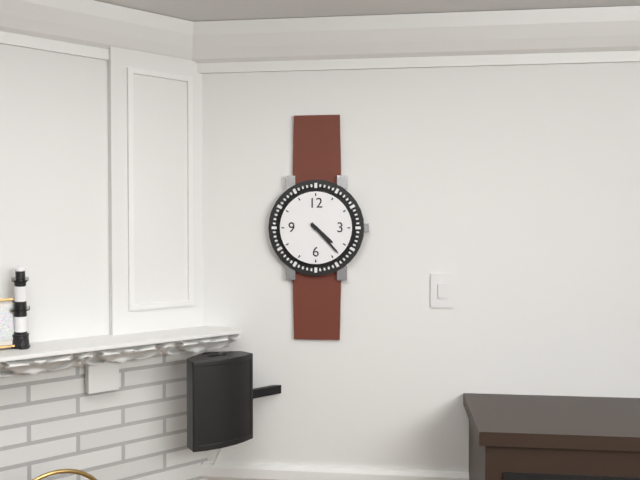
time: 4:23
